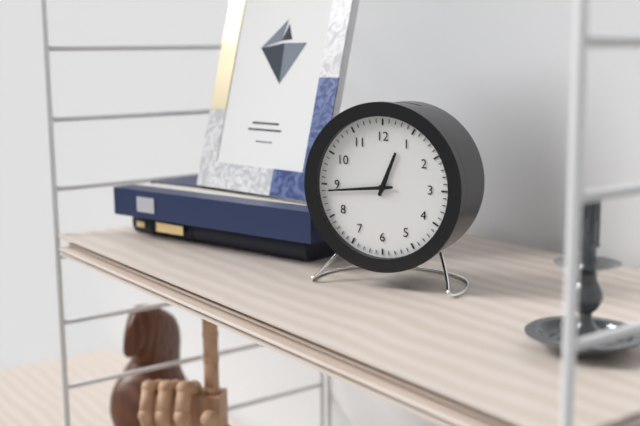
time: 12:44
